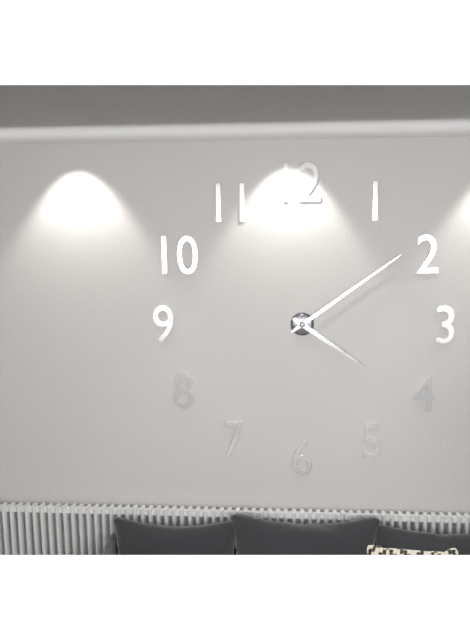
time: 4:09
